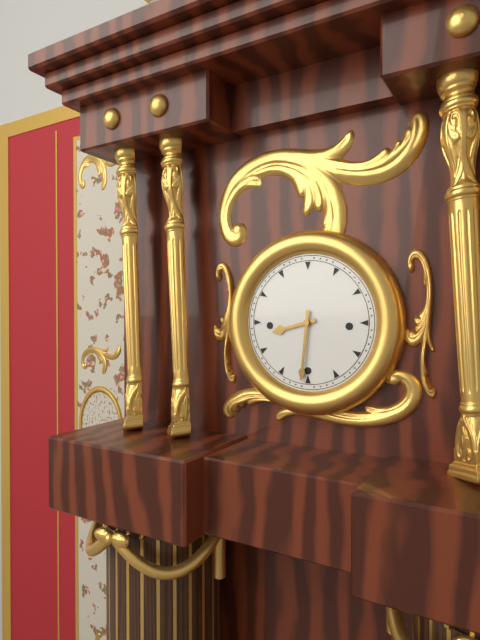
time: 8:31
